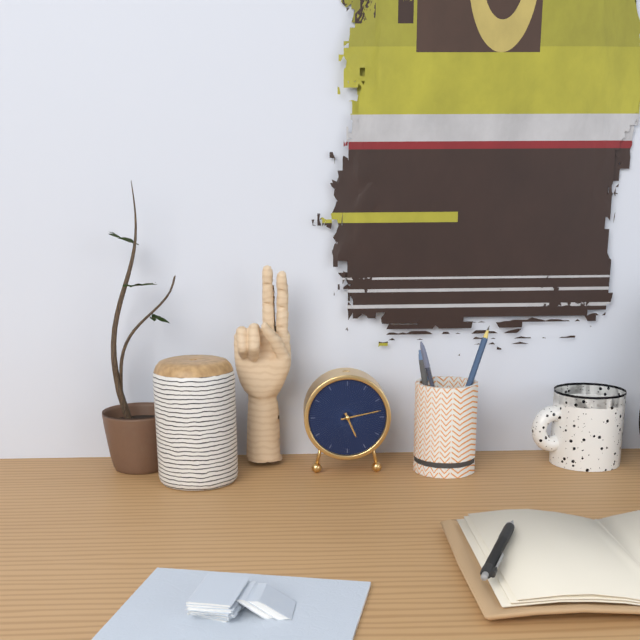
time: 5:13
